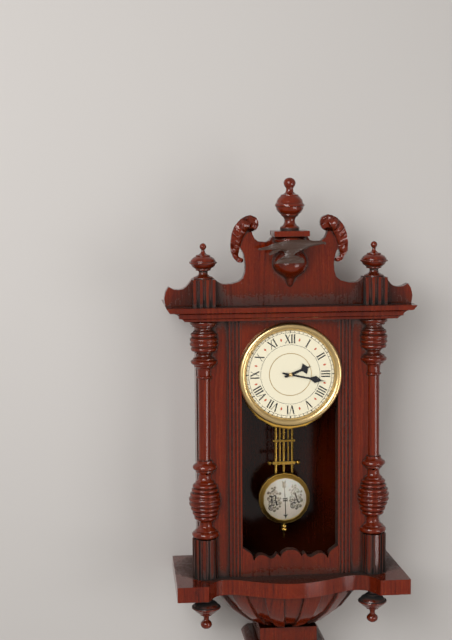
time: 2:17
